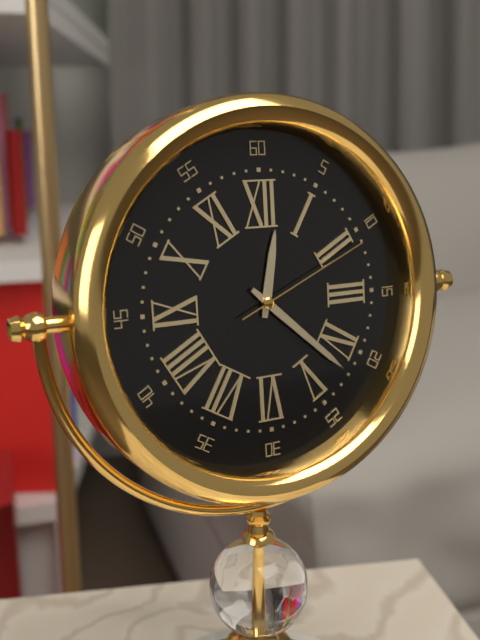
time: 12:22:11
